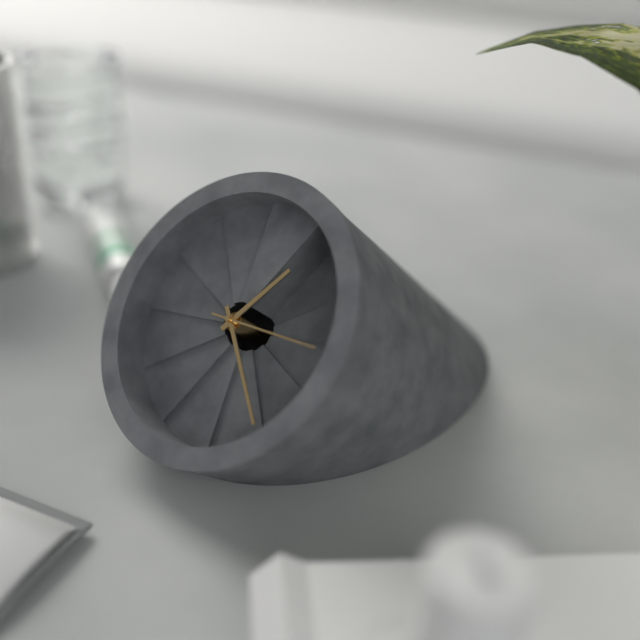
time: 12:19:11
